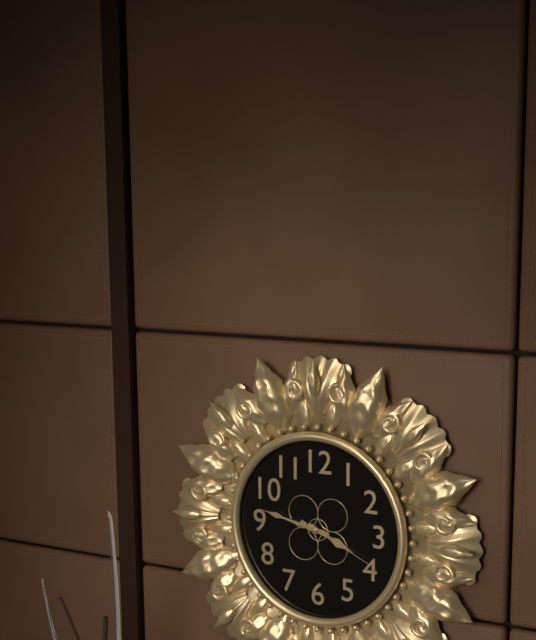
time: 3:47:19
